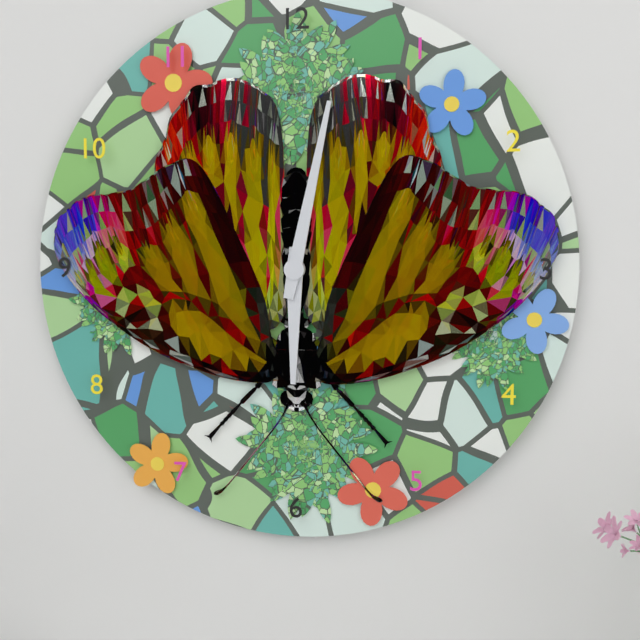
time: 6:02
